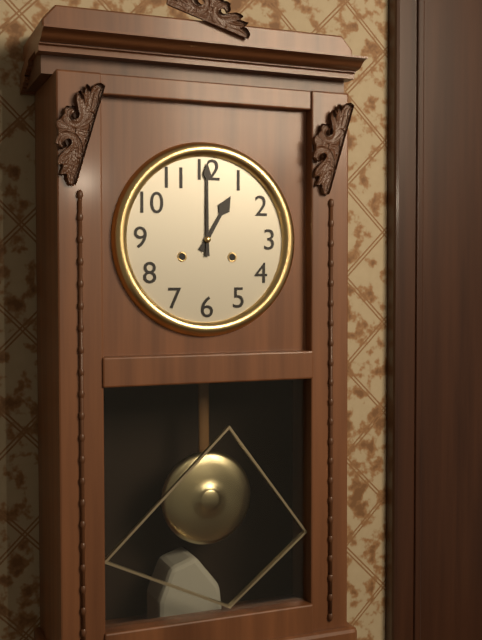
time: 1:00
